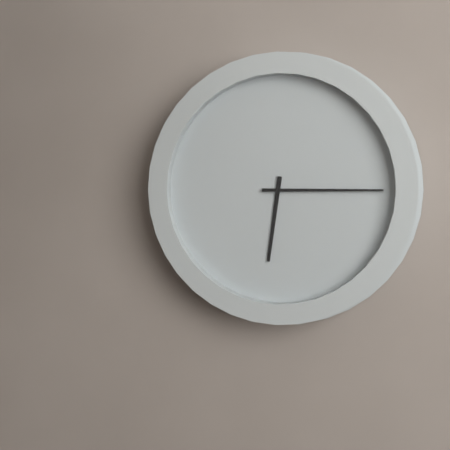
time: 6:15
